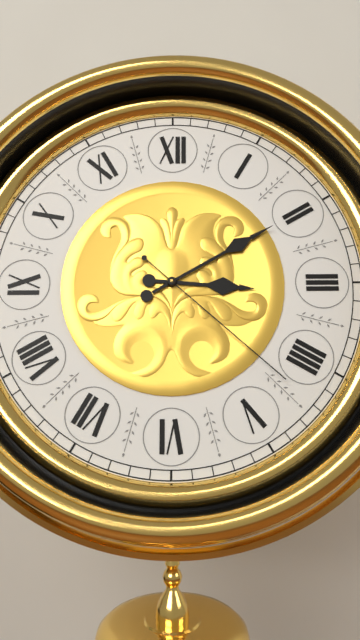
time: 3:10:22
